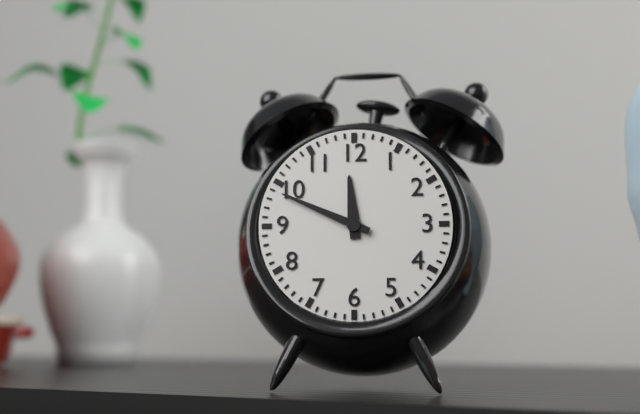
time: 11:49
